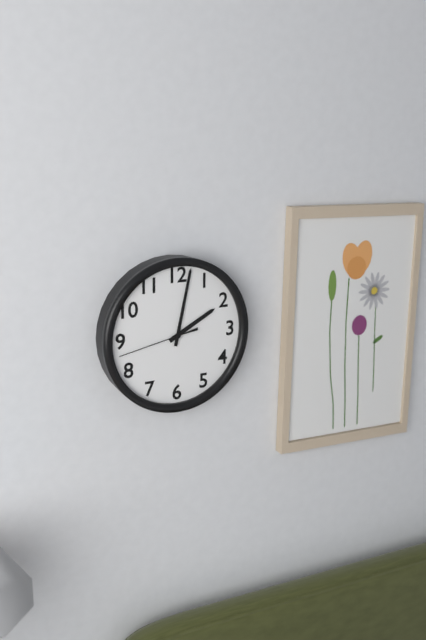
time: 2:02:43
